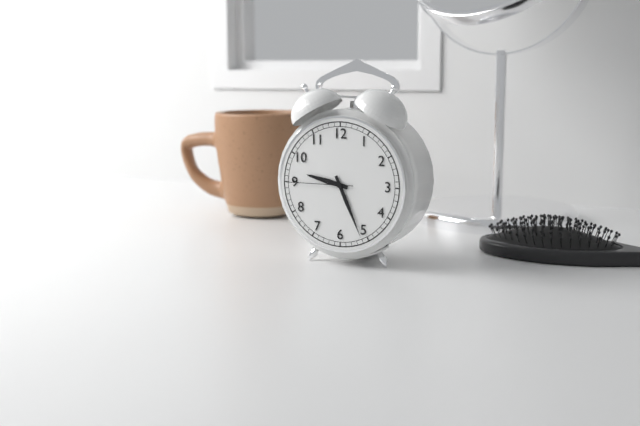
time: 9:26:45
